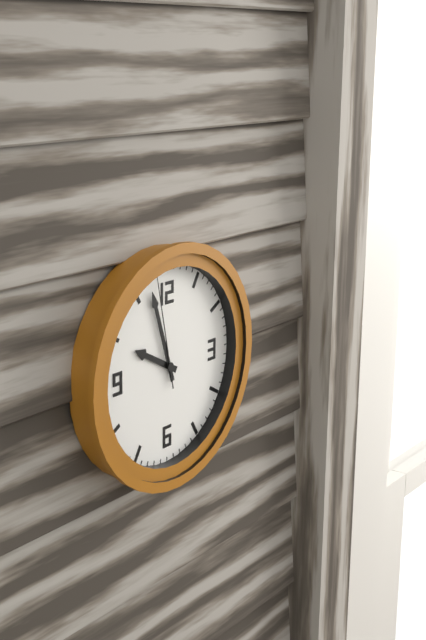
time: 9:57:58
